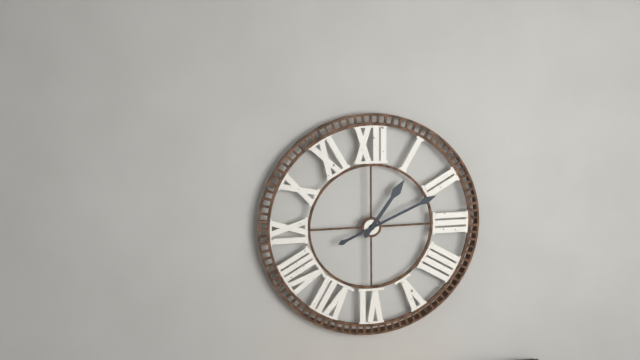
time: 1:11
